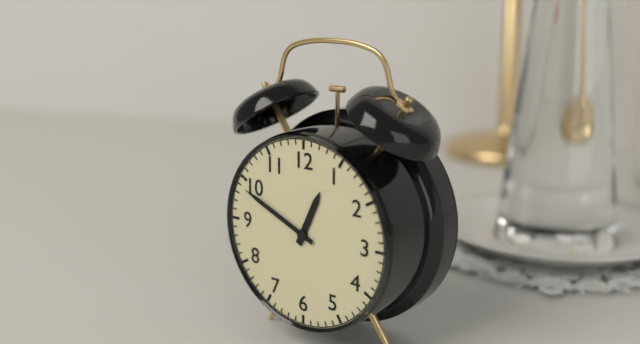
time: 12:49
